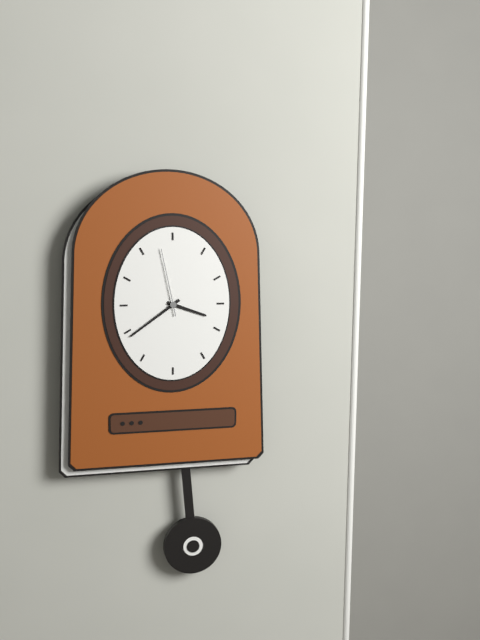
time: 3:39:58
